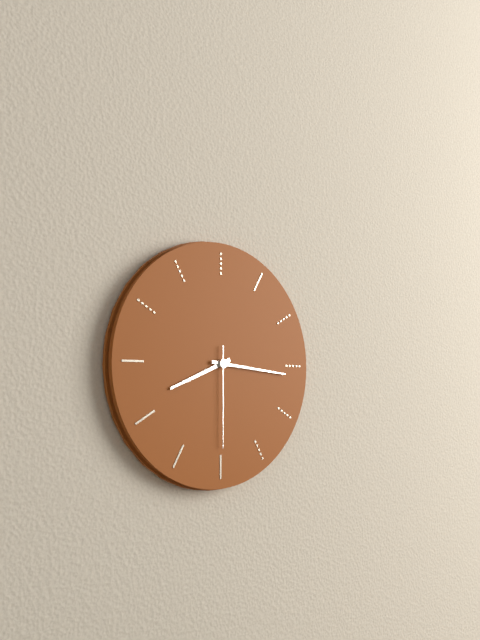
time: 8:16:30
